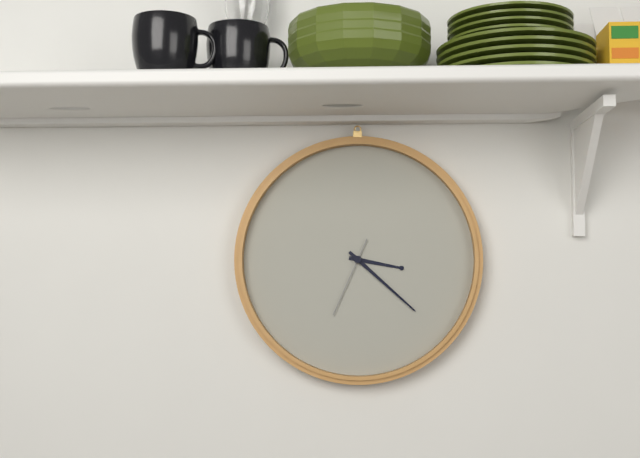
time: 3:22:34
